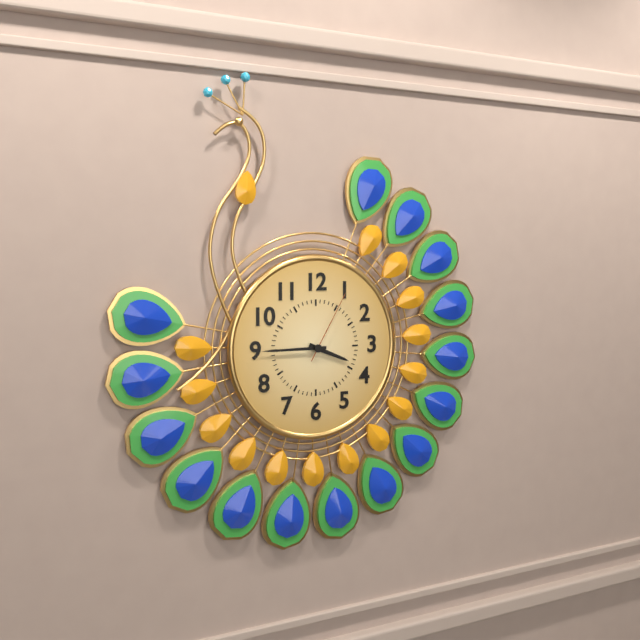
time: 3:45:05
